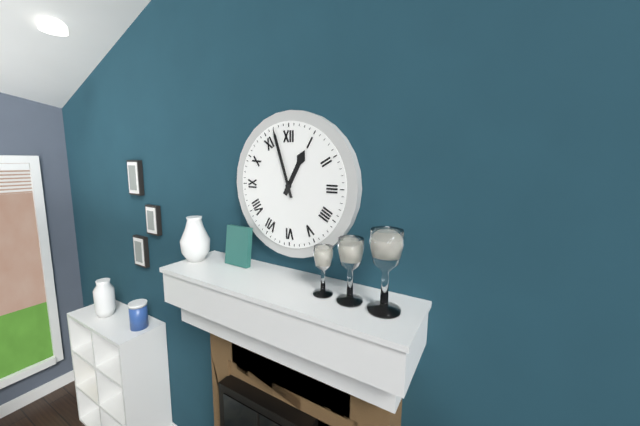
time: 12:57
